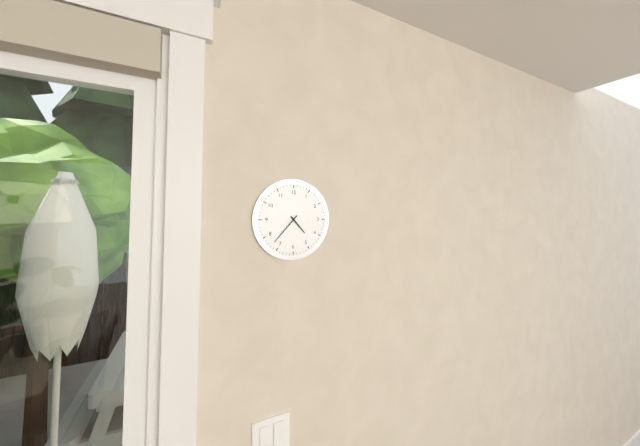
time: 4:37
